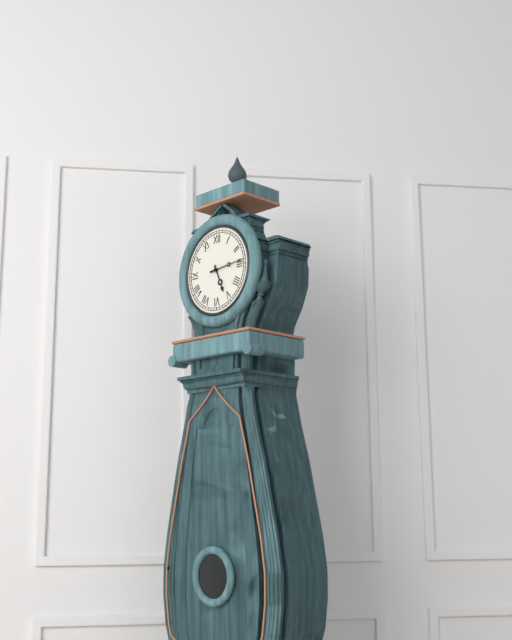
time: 5:14
